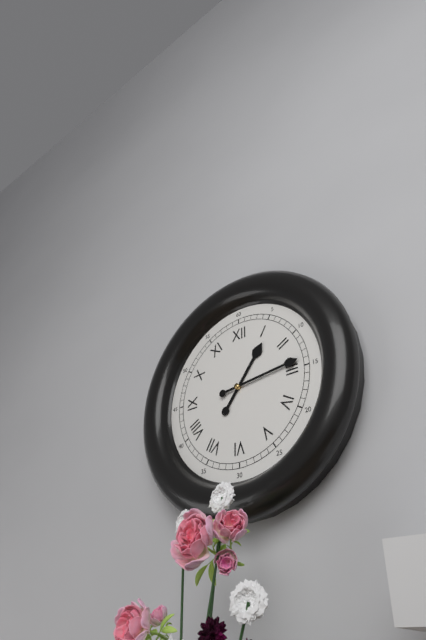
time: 1:14
